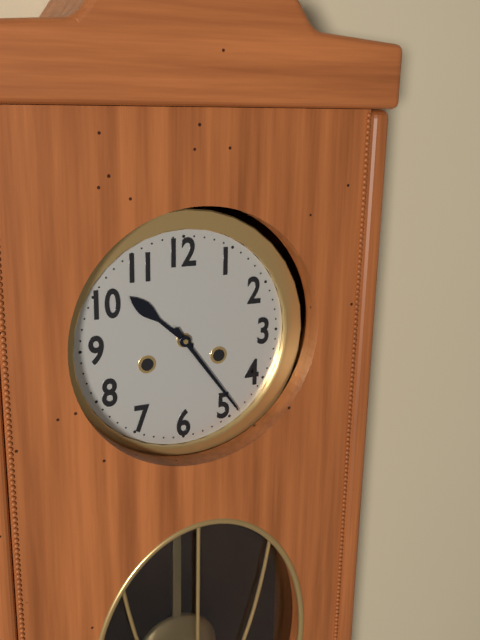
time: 10:24
